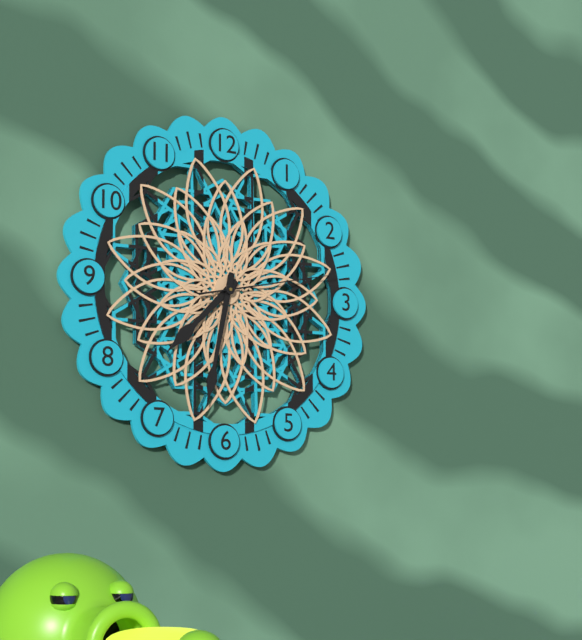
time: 7:32:13
